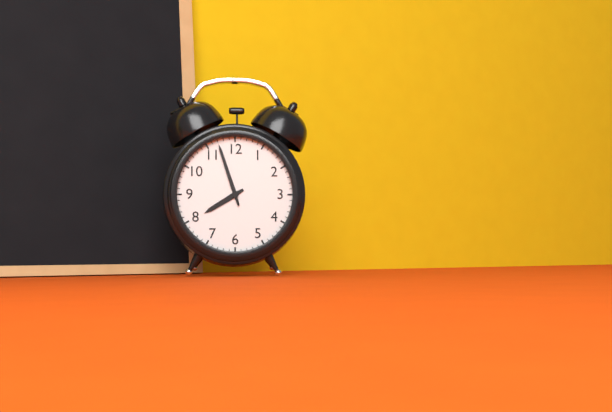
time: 7:57
